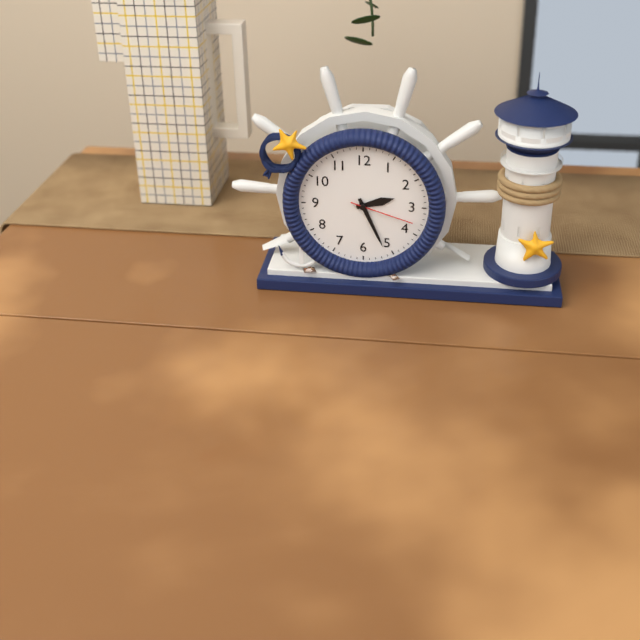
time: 2:26:18
